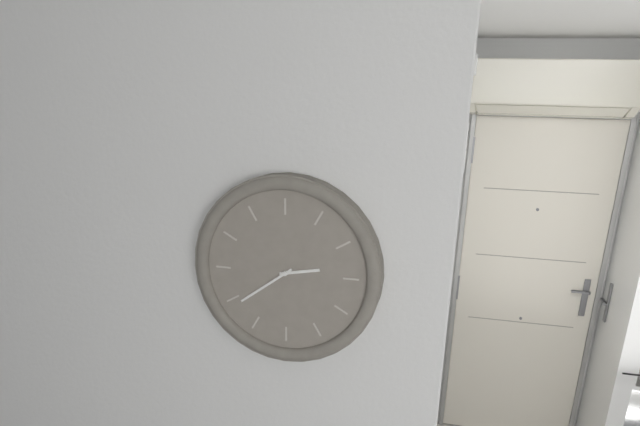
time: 2:39
